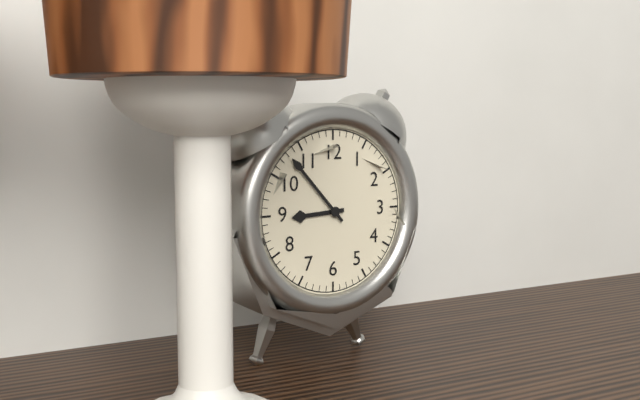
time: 8:53
